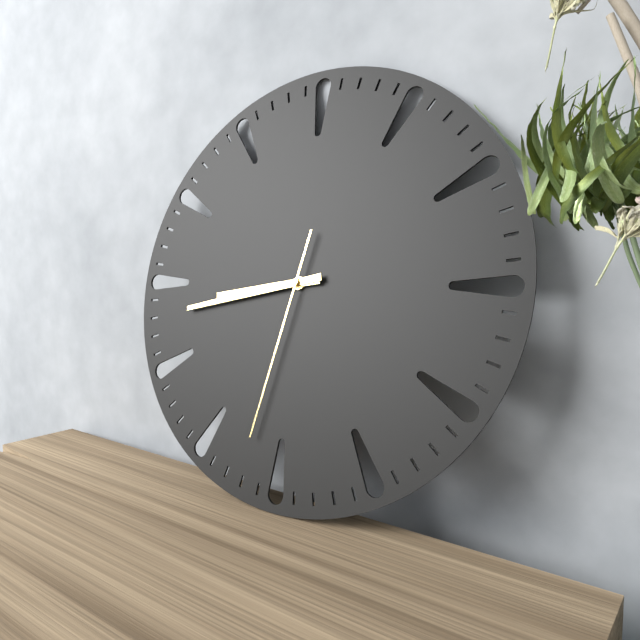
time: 8:43:32
